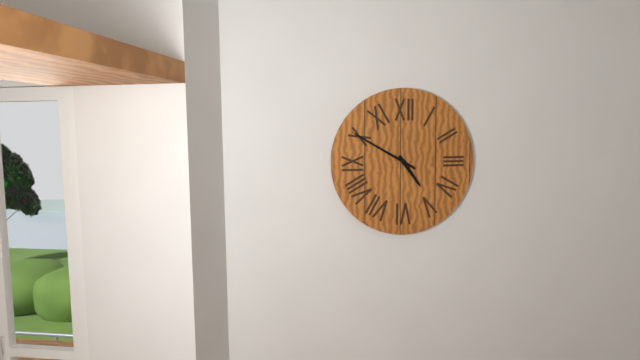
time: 4:50
